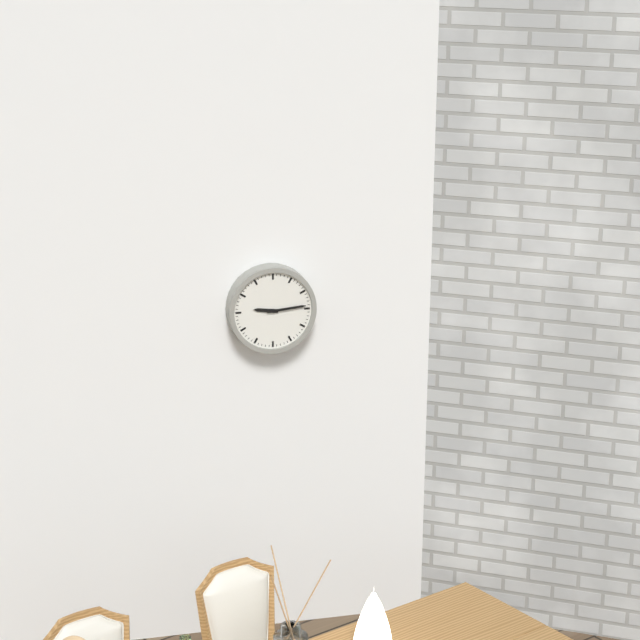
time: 9:14
